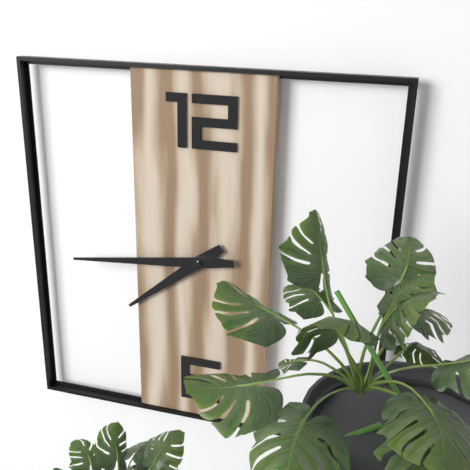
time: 7:44
